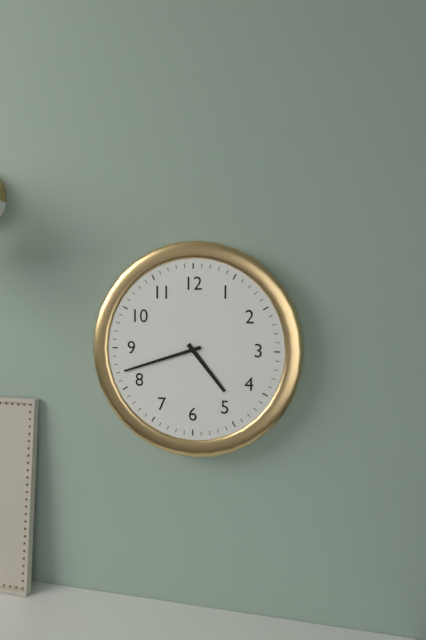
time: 4:42
